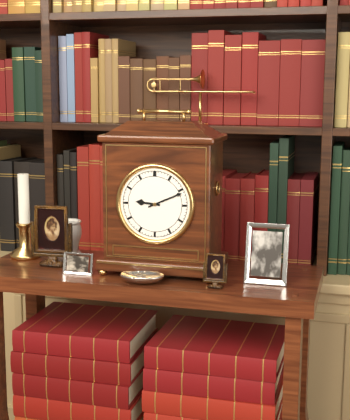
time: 9:11
